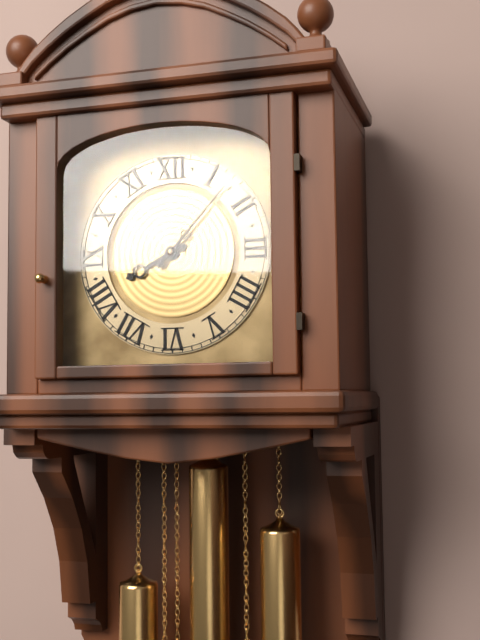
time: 8:07
